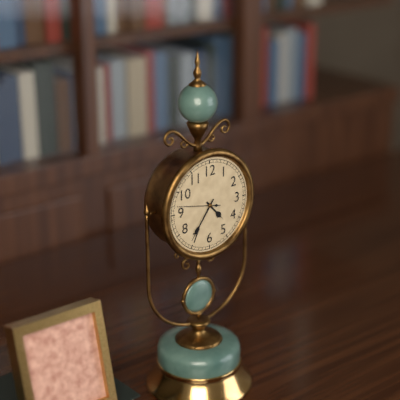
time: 4:36
